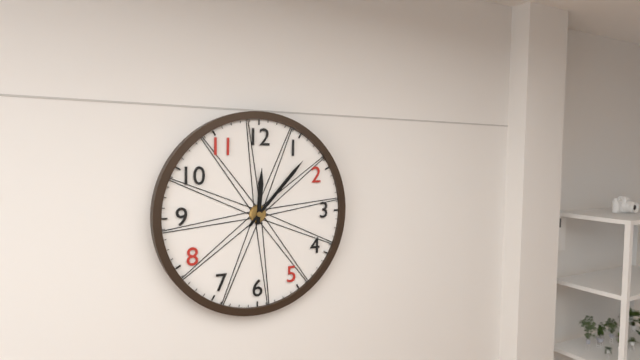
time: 12:07
